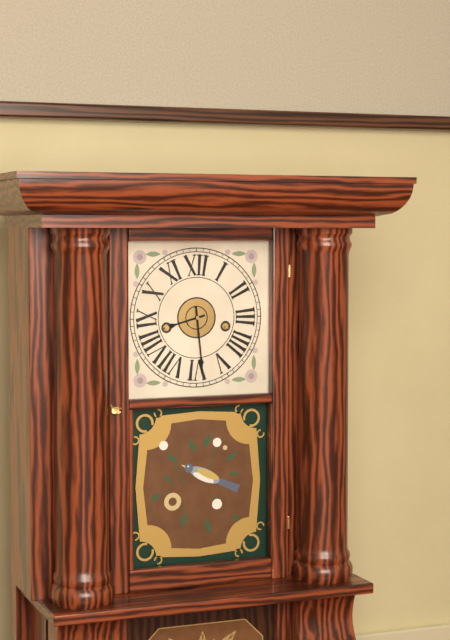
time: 8:29
